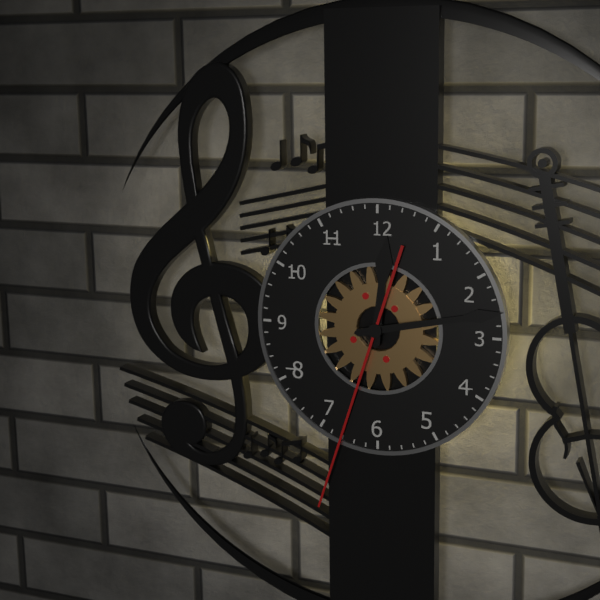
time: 12:13:33
